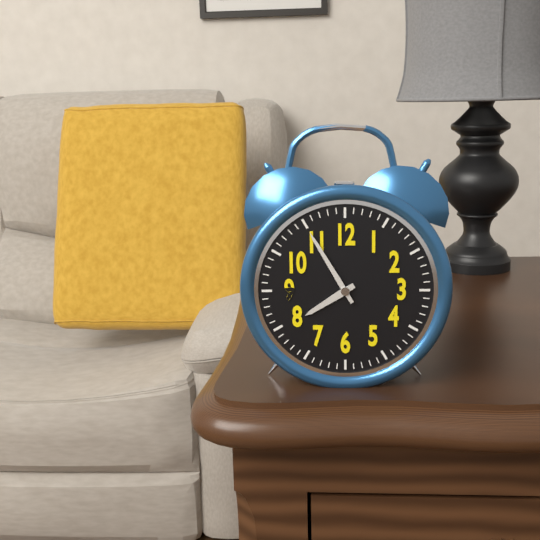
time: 7:55
